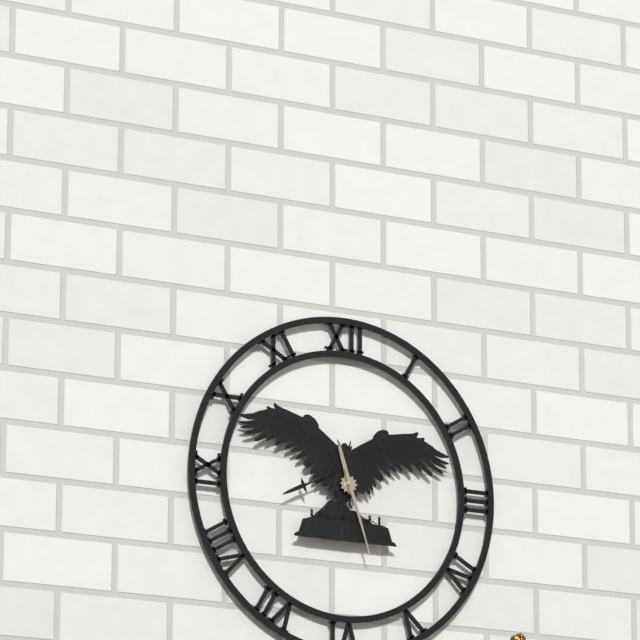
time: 11:27
